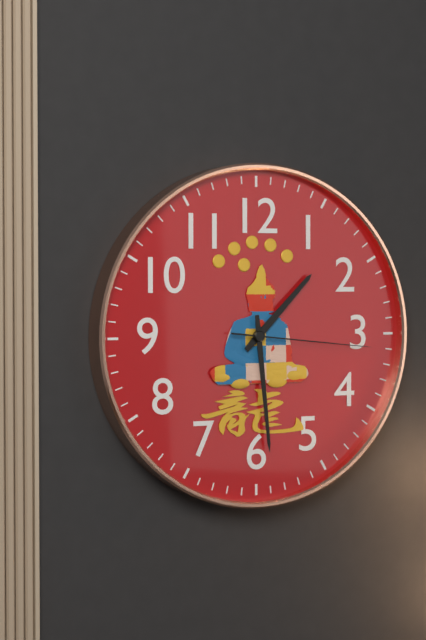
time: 1:29:16
